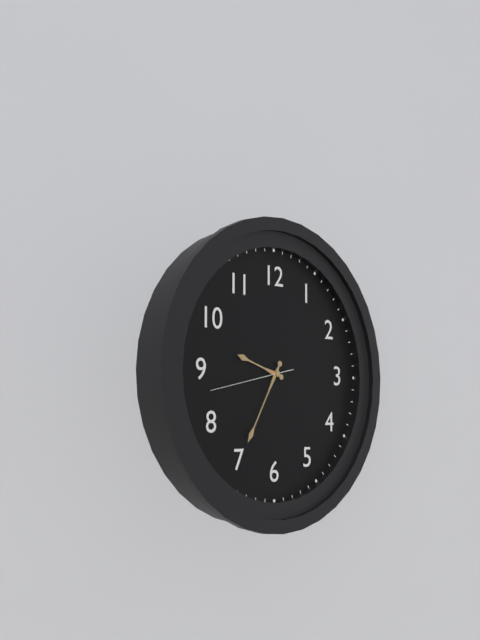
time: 9:35:43
